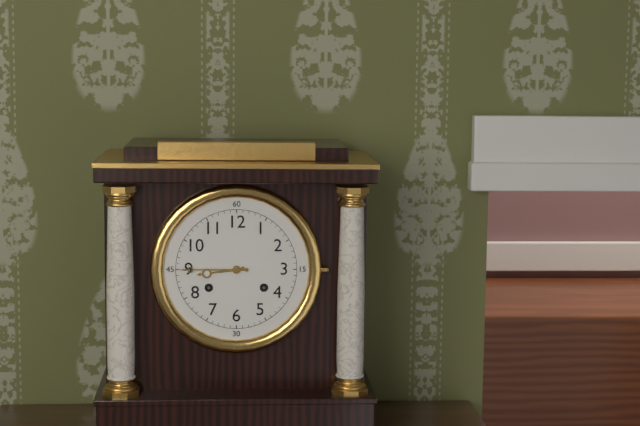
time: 8:45
